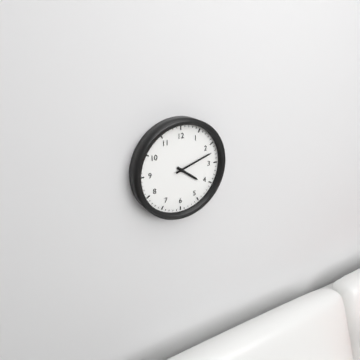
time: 4:12
